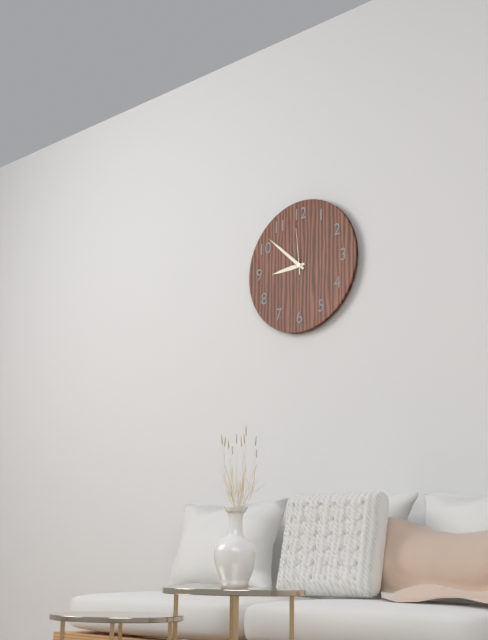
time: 8:52
